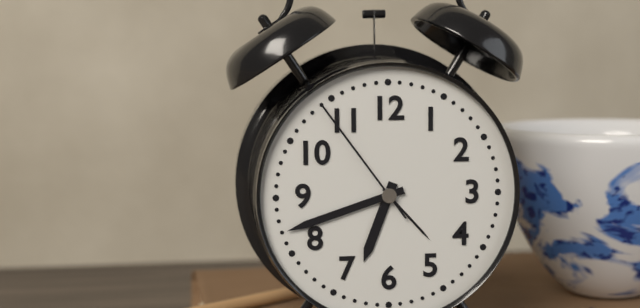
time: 6:42:54
